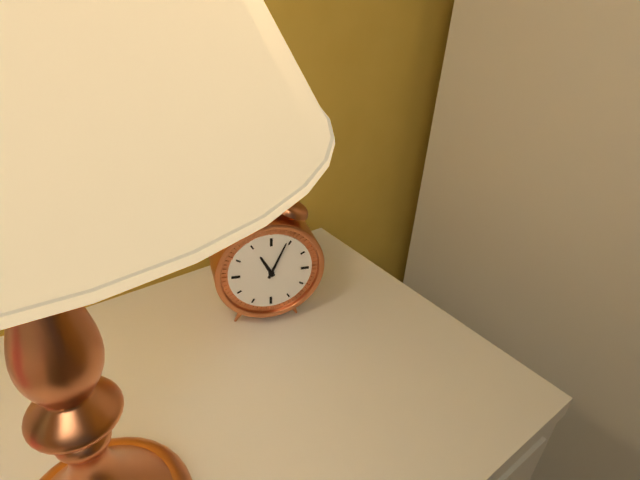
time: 11:04
